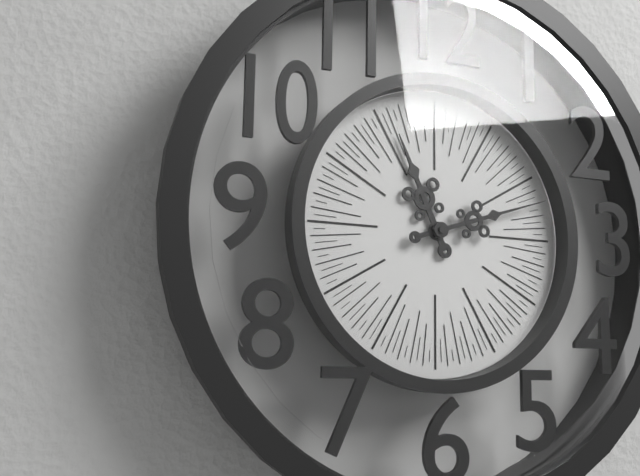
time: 11:12
